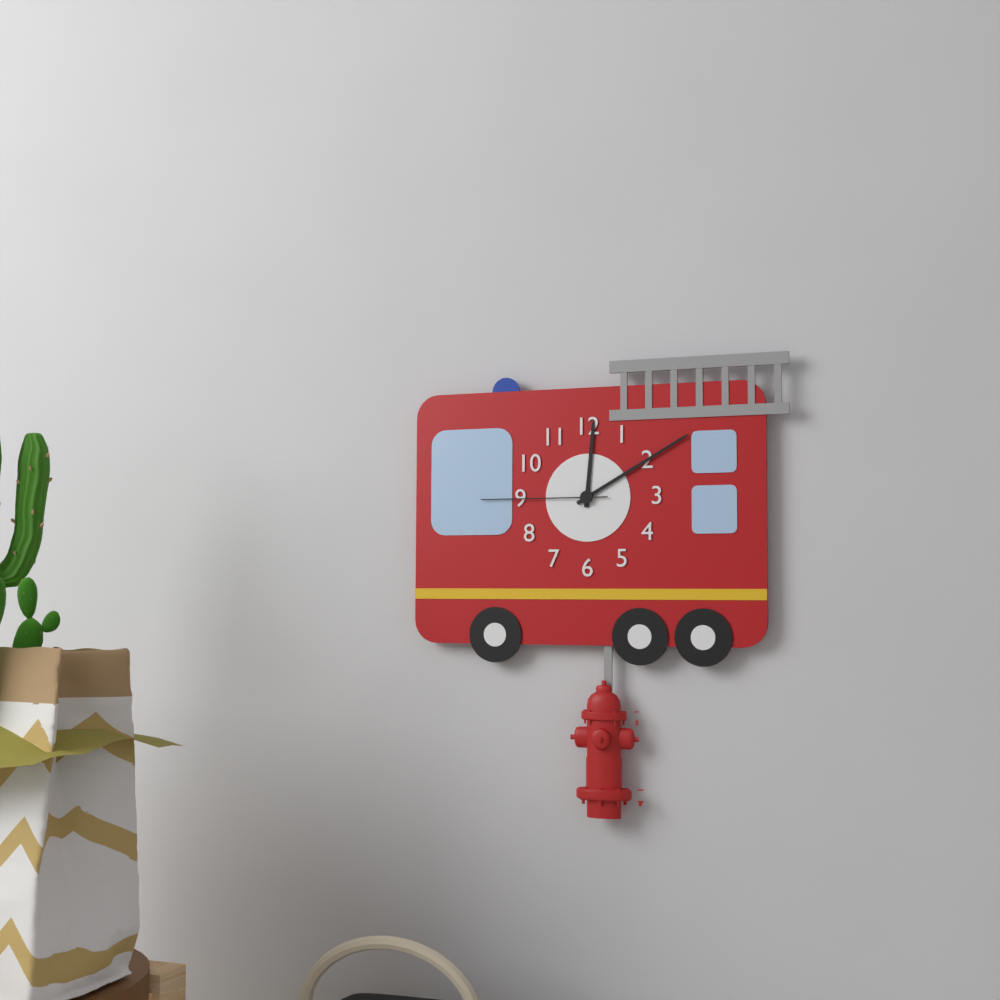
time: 12:10:45
